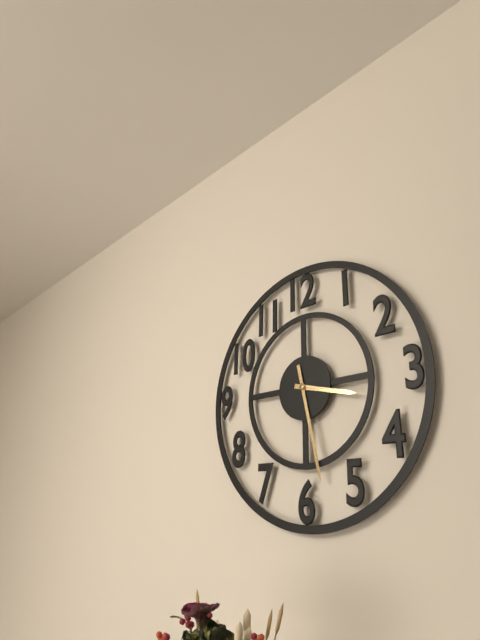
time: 3:28
